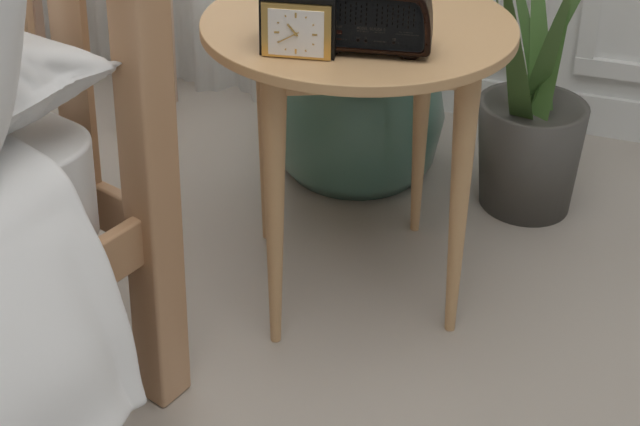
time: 10:40
